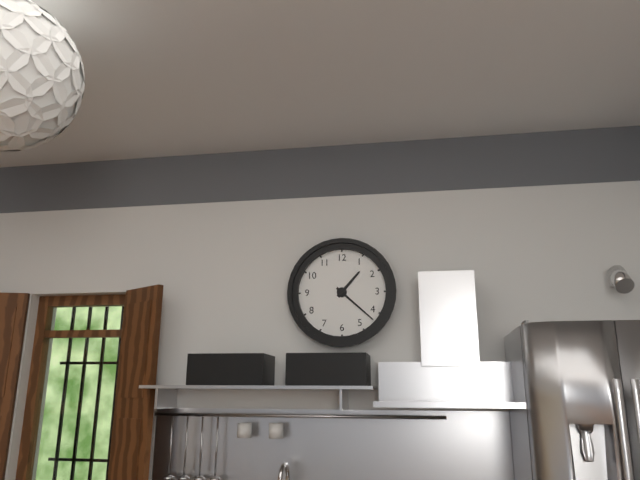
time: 1:22
